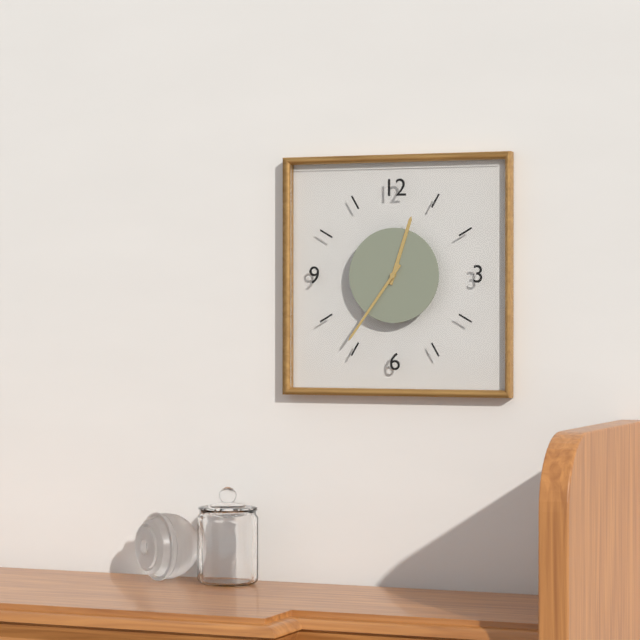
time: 12:36
